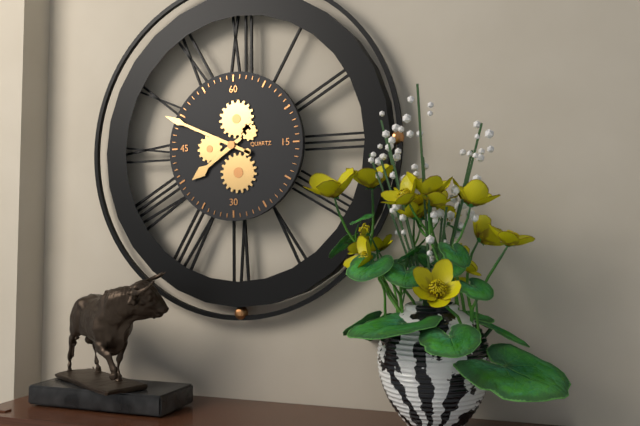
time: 7:49
